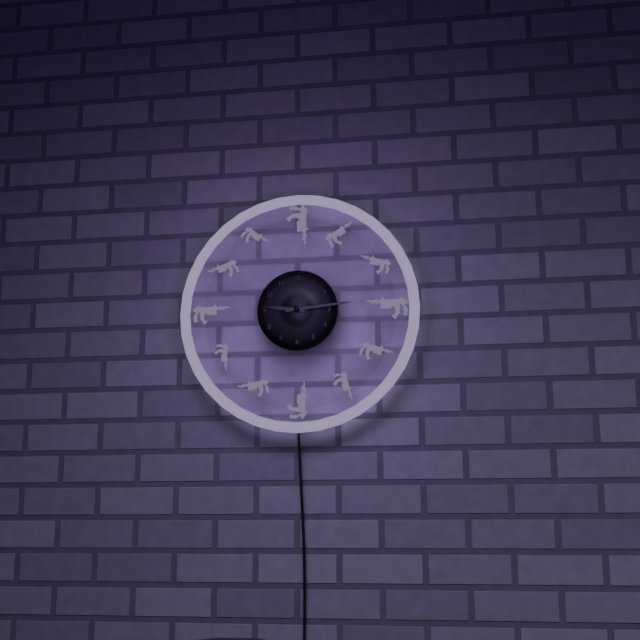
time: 9:14
